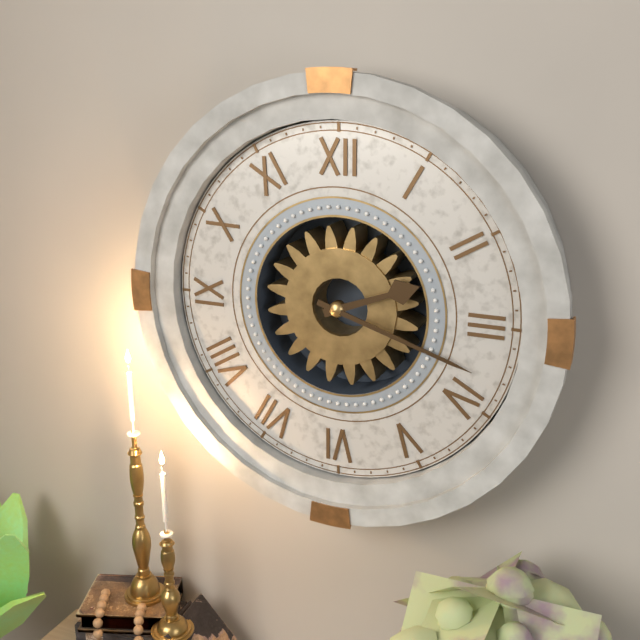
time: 2:18
